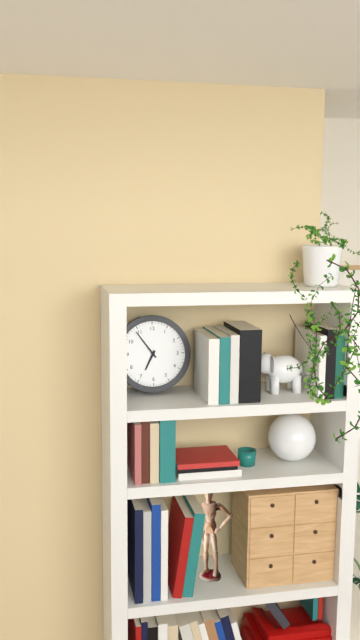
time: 6:54
